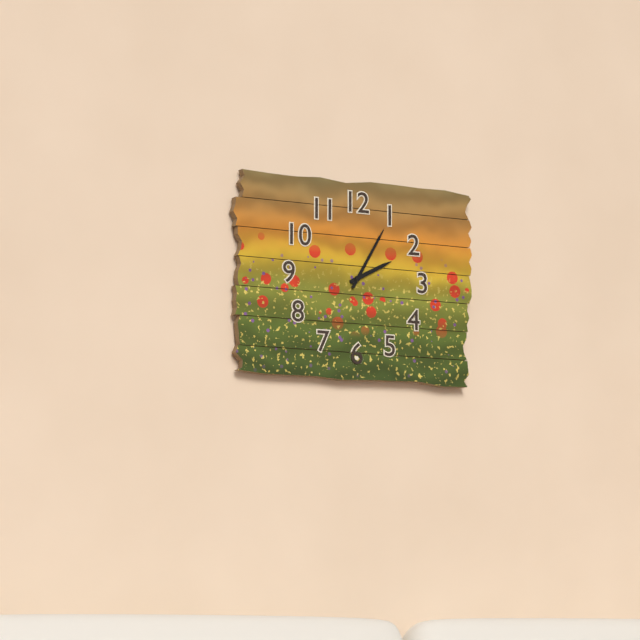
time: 2:05
